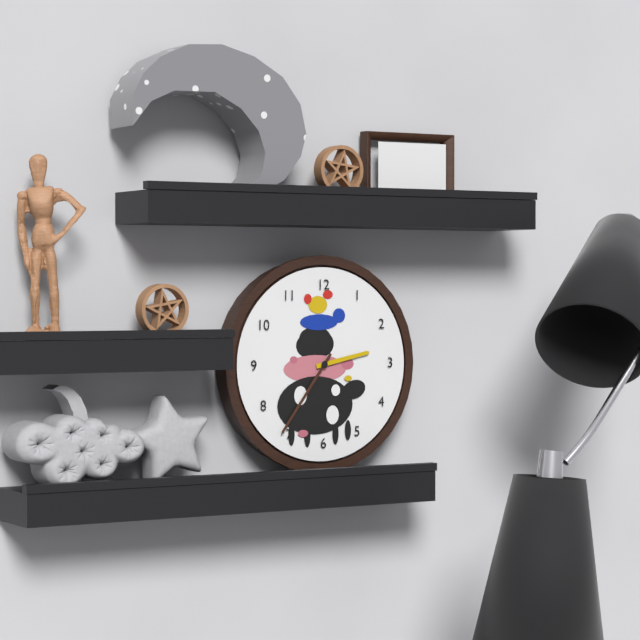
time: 2:36
